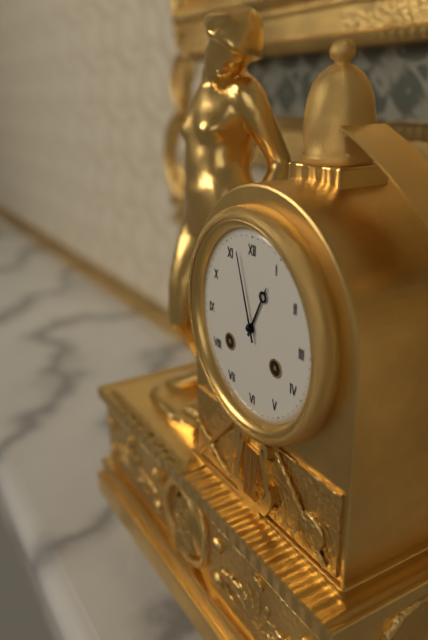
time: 12:57
